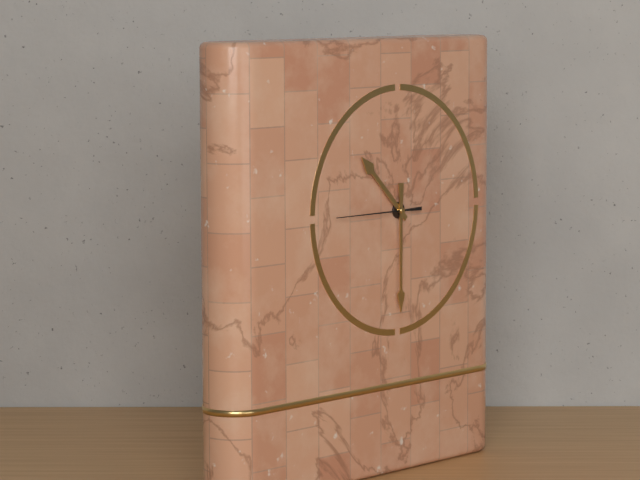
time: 10:30:45
